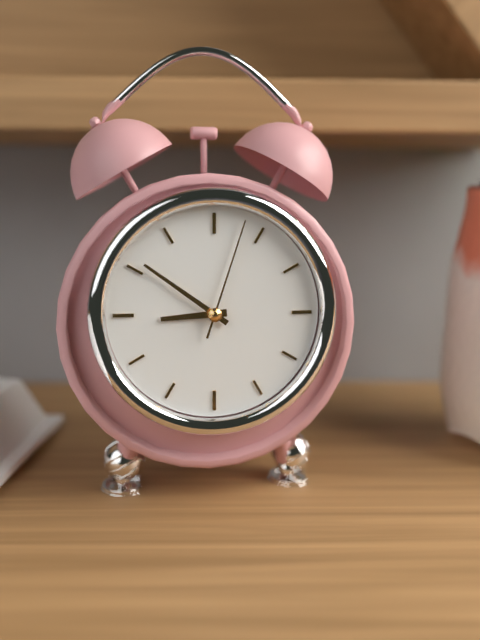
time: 8:51:03
